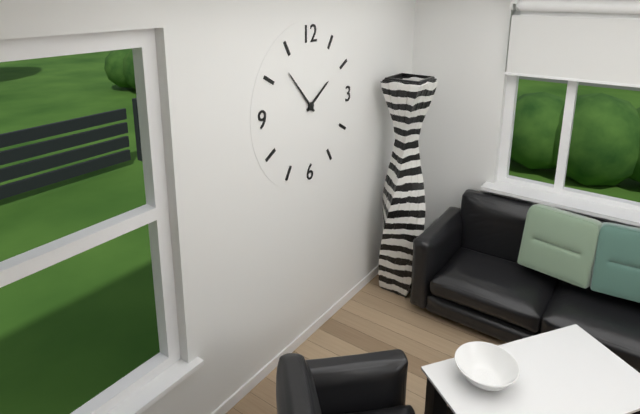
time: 1:53
